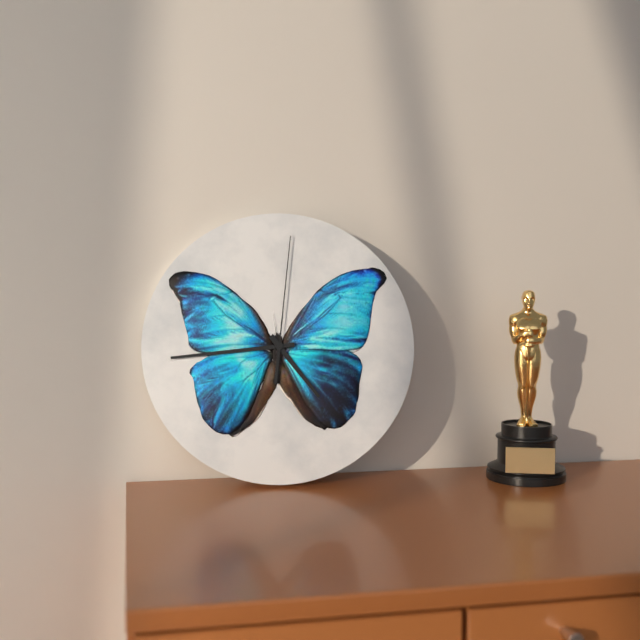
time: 4:44:01
